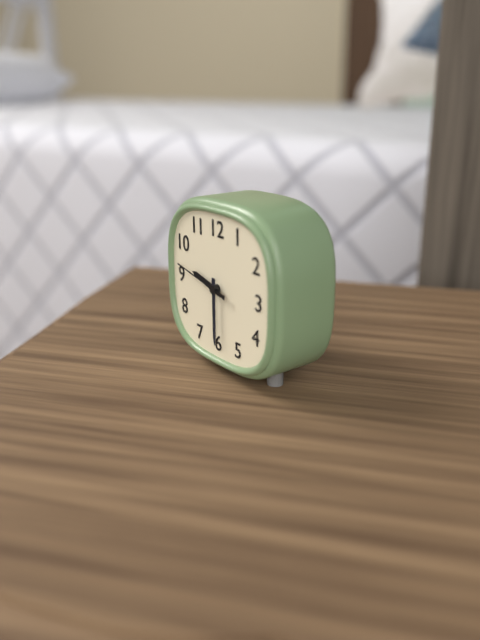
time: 9:30:47
